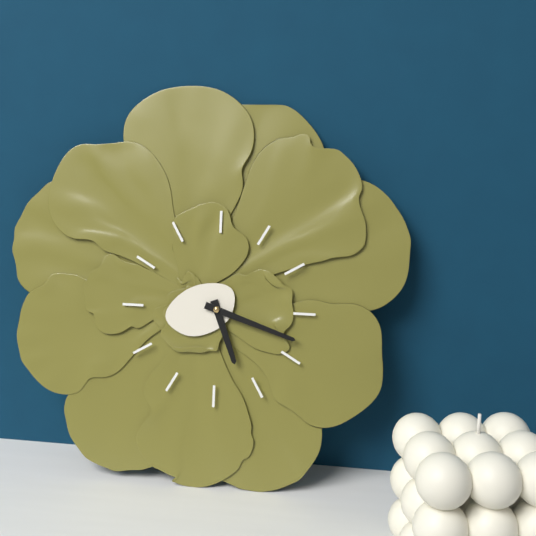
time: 5:18
